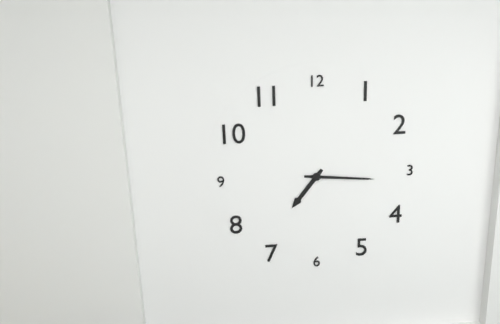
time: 7:16
